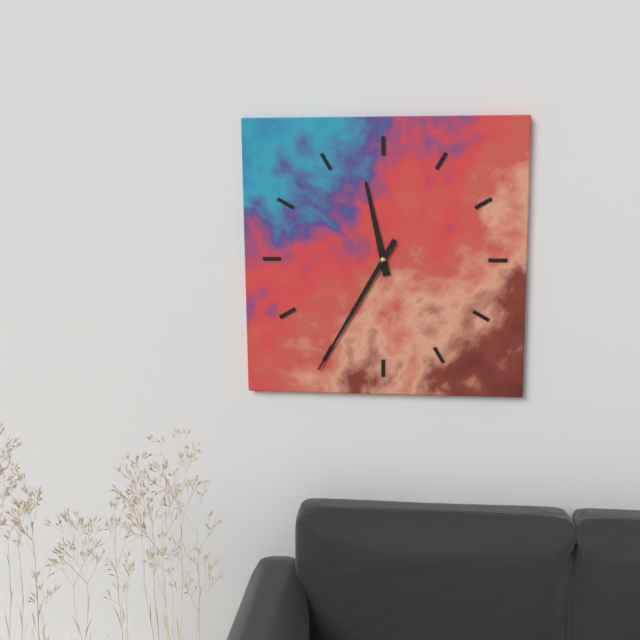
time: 11:35
